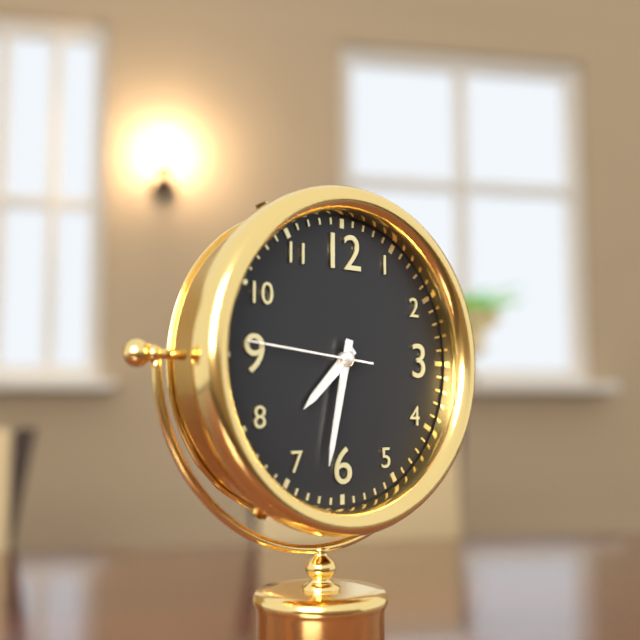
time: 7:32:46
